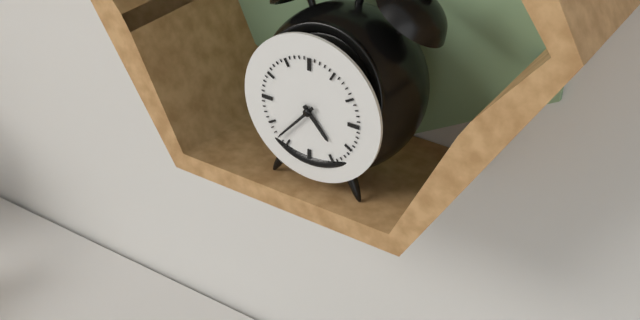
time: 4:37
